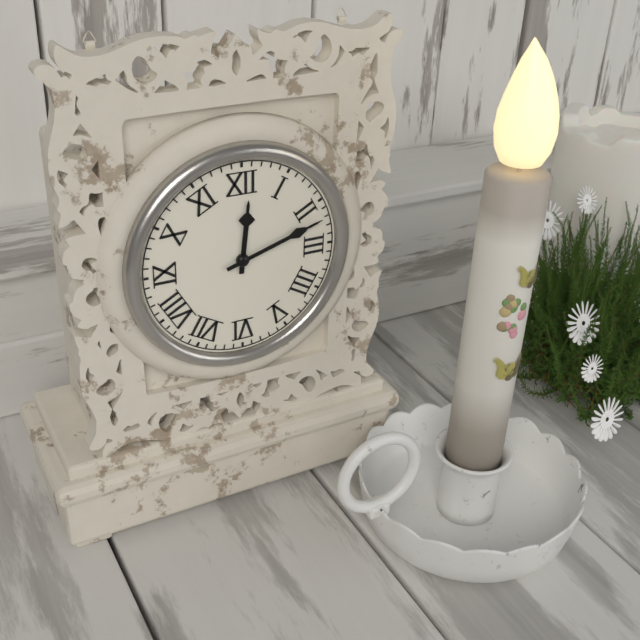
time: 12:12
